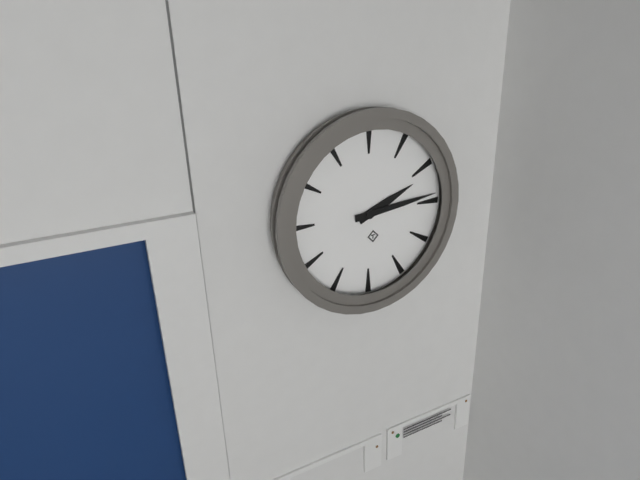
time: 2:14
